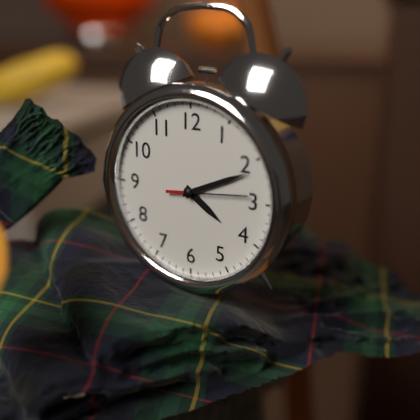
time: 4:11:14
